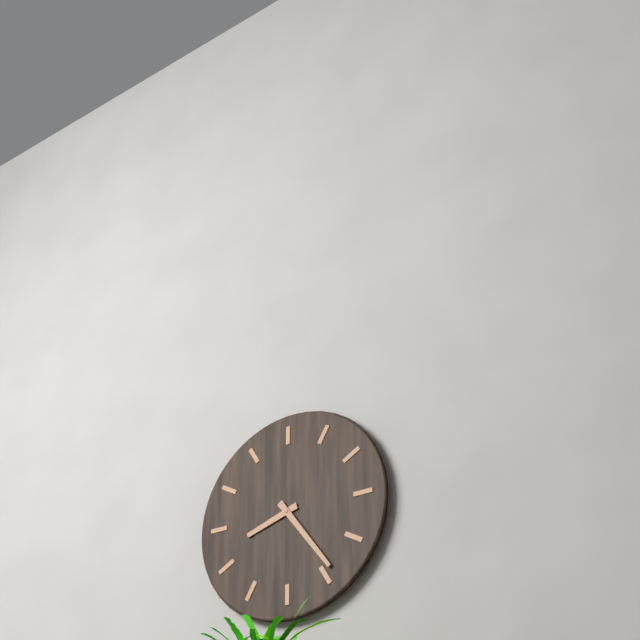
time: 8:24
